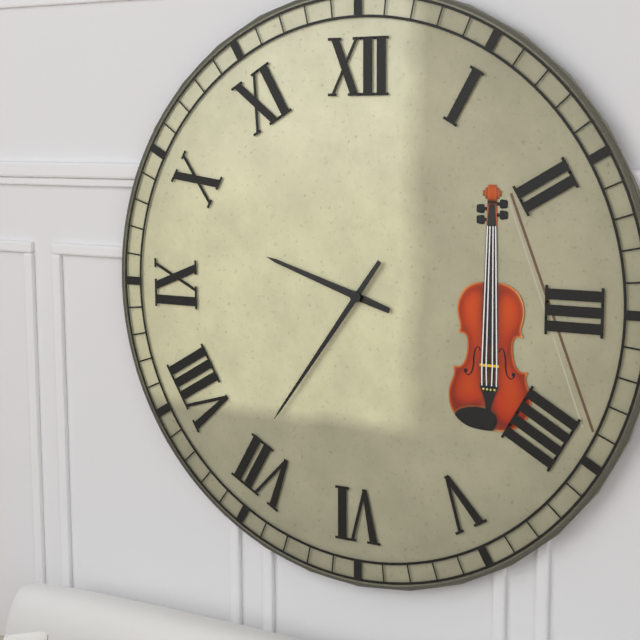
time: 9:36
